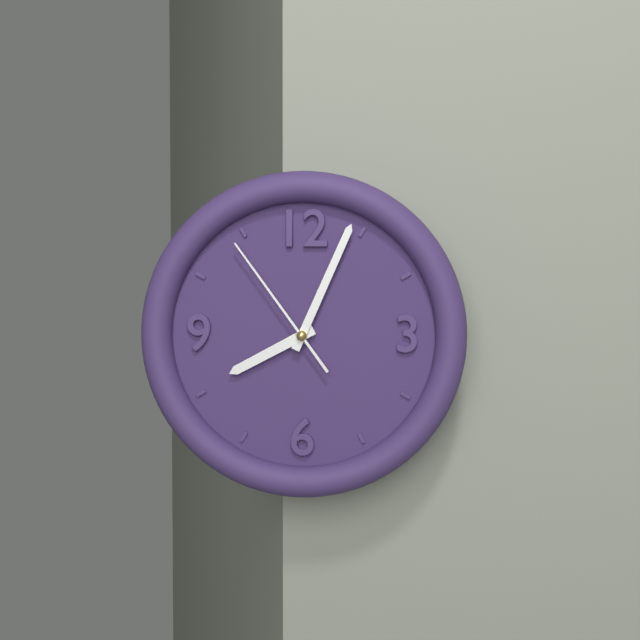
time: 8:04:54
